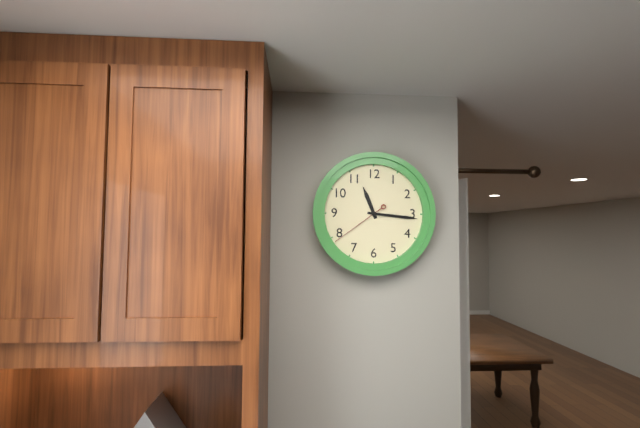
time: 11:16:39
